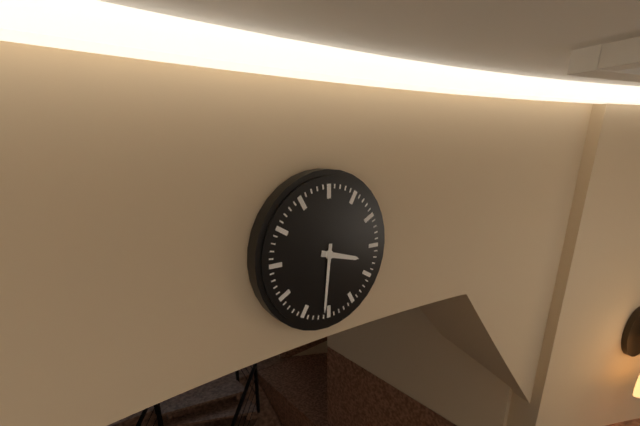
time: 3:31
